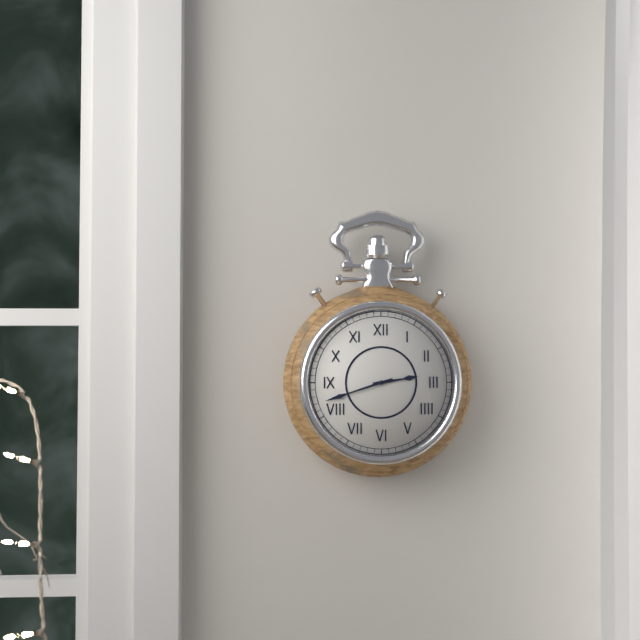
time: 2:42
